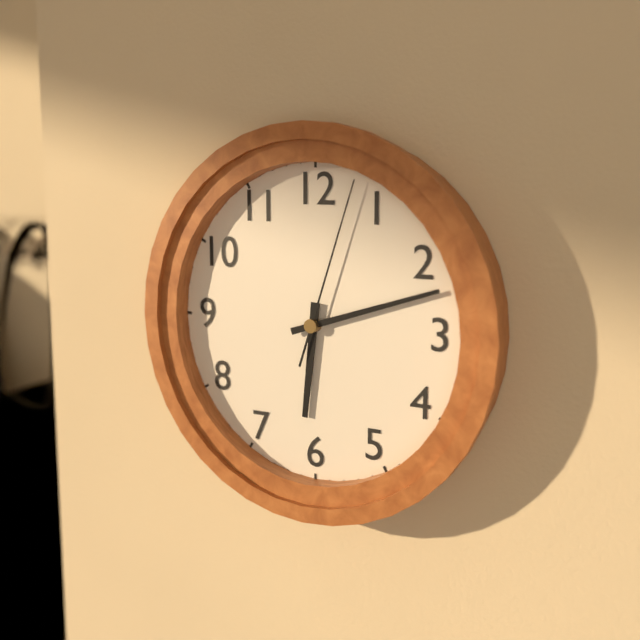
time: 6:12:03
